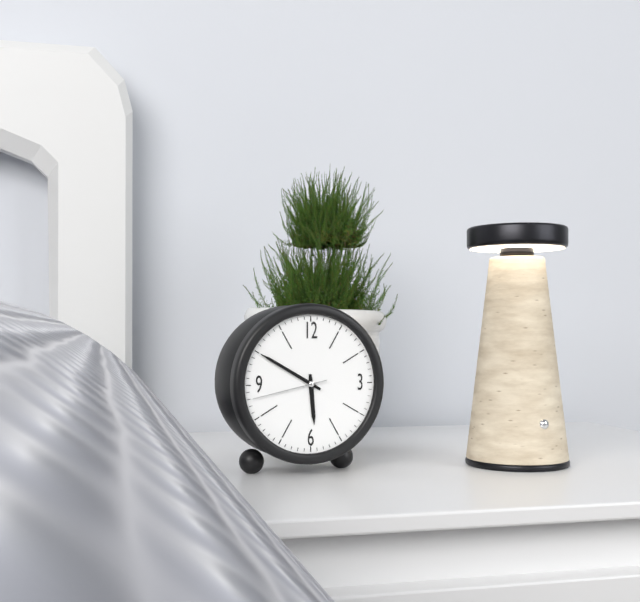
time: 5:50:43
